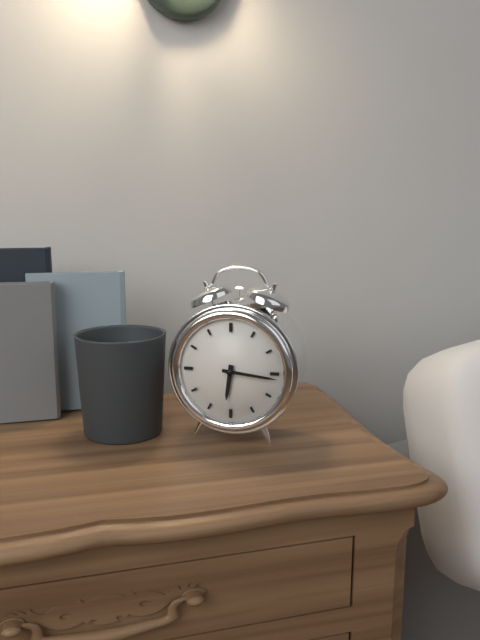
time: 6:16
